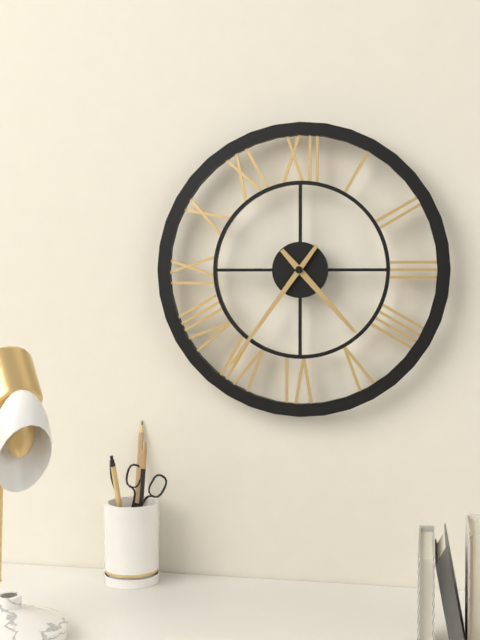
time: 4:36
